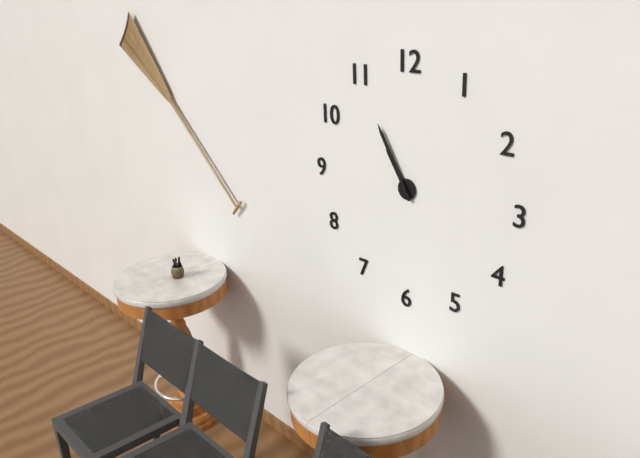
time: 10:55
